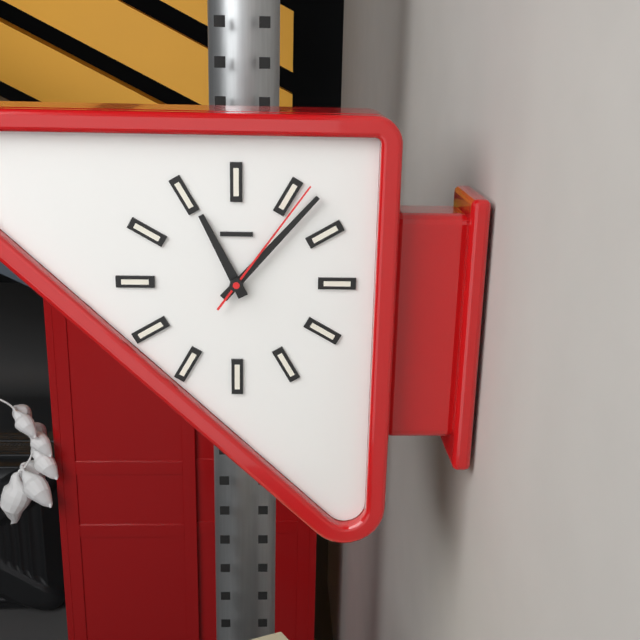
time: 11:07:06
